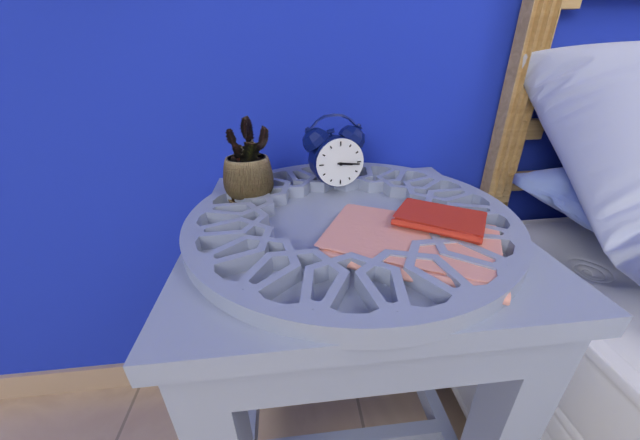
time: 3:16
